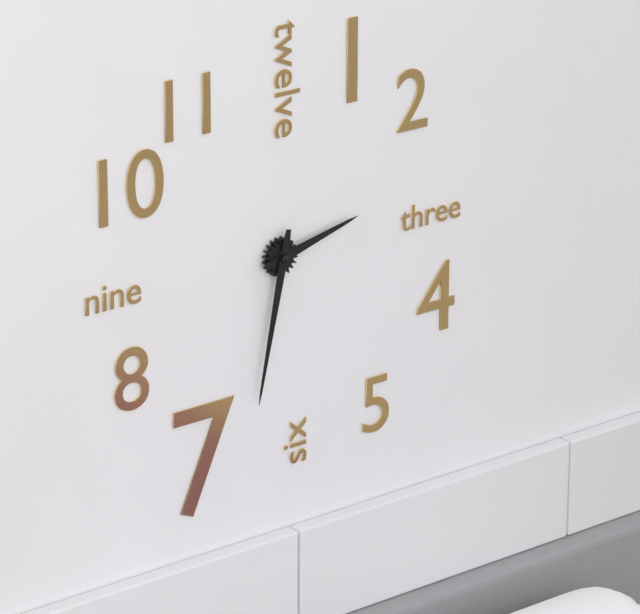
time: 2:32
